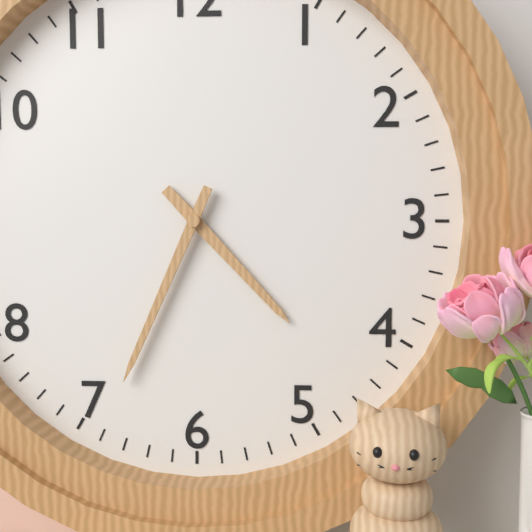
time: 4:34
